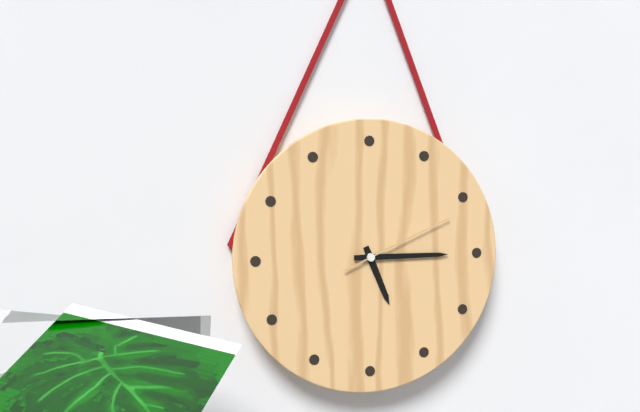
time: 5:15:11
